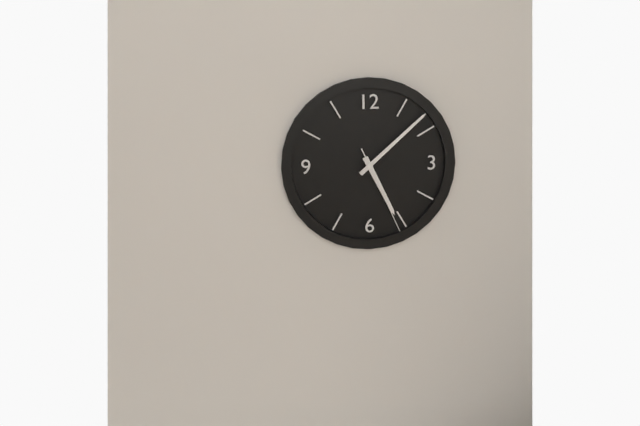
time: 5:08:26
